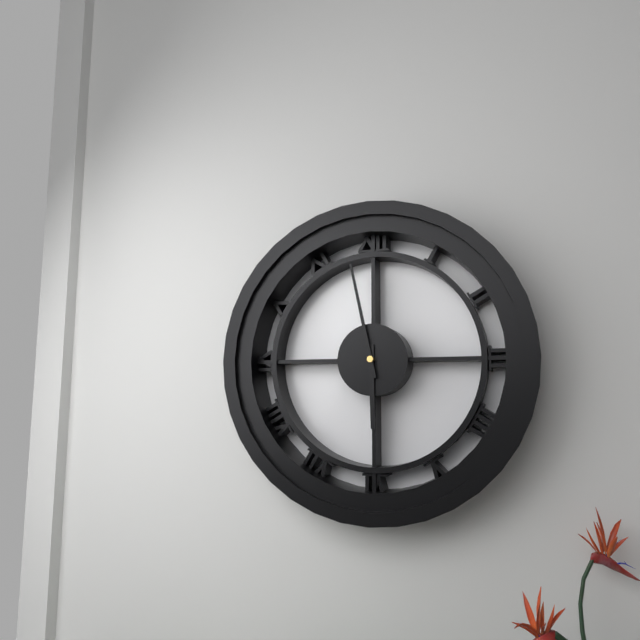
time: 5:58
